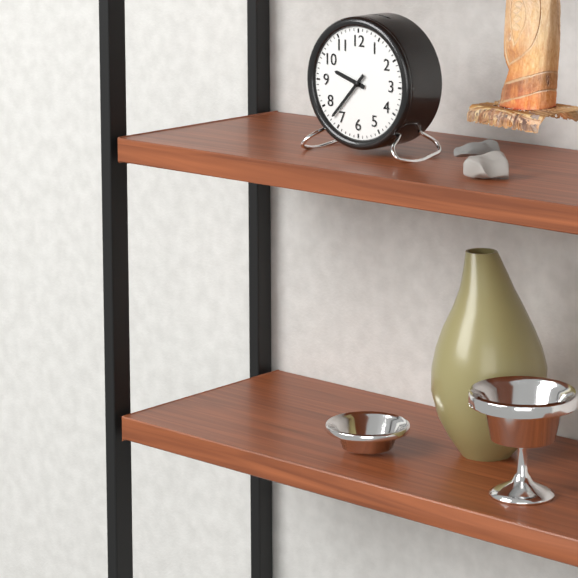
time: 9:37
